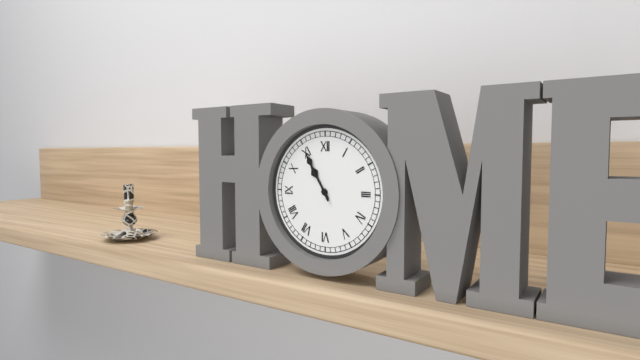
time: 10:55
